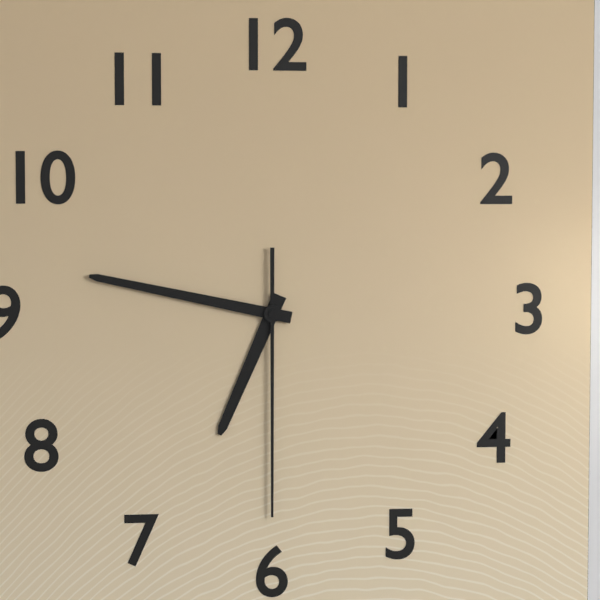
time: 6:47:30
